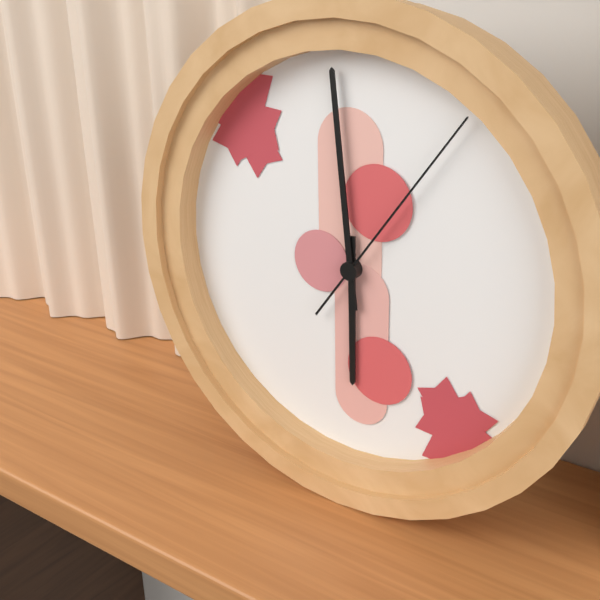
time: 5:59:06
